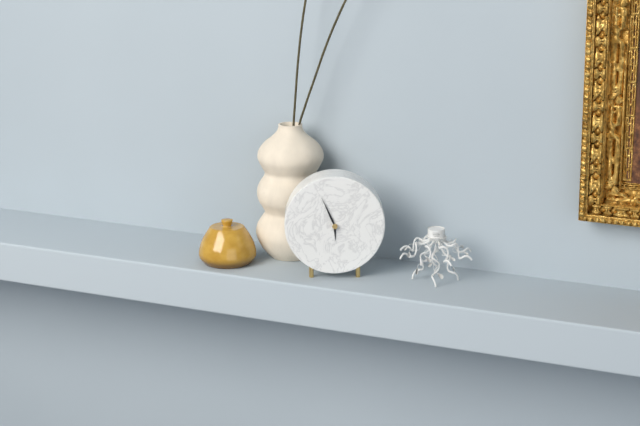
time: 5:56
